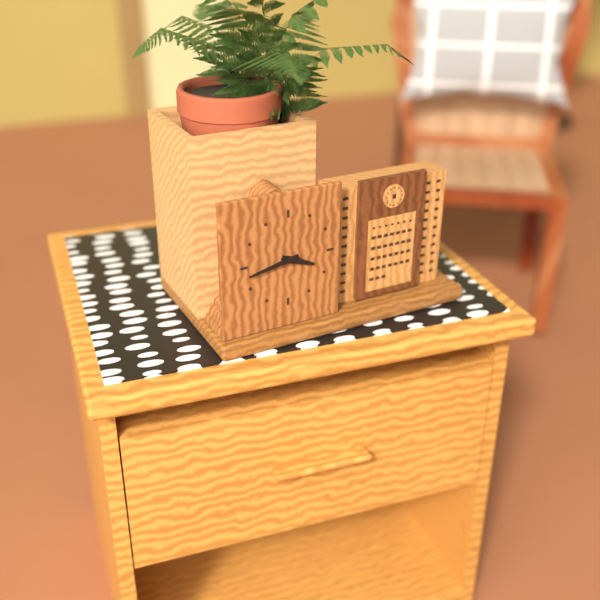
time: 3:43
